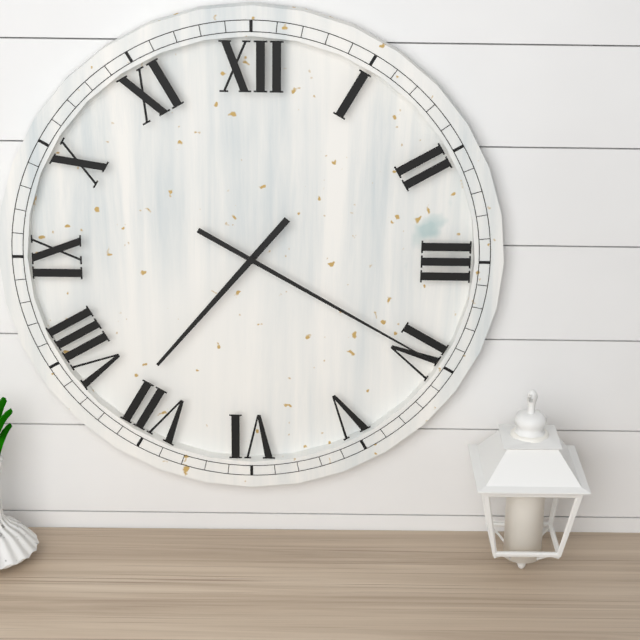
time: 7:20
